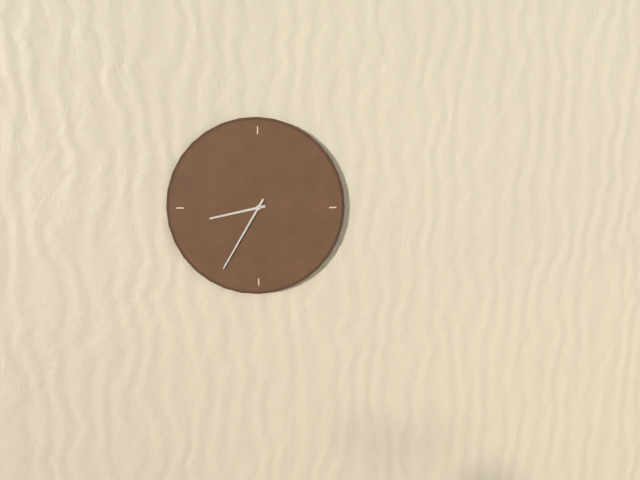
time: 8:35
